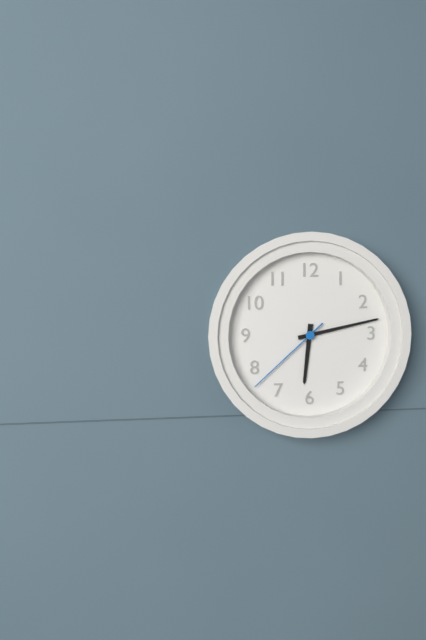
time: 6:13:38
